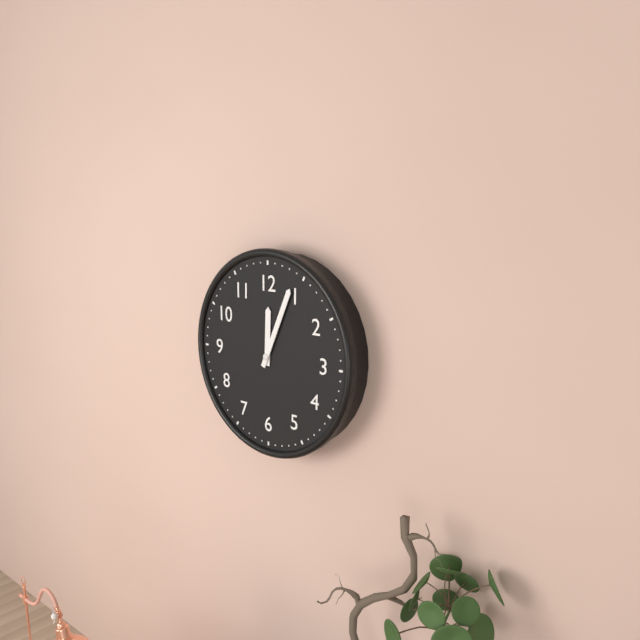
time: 12:04
